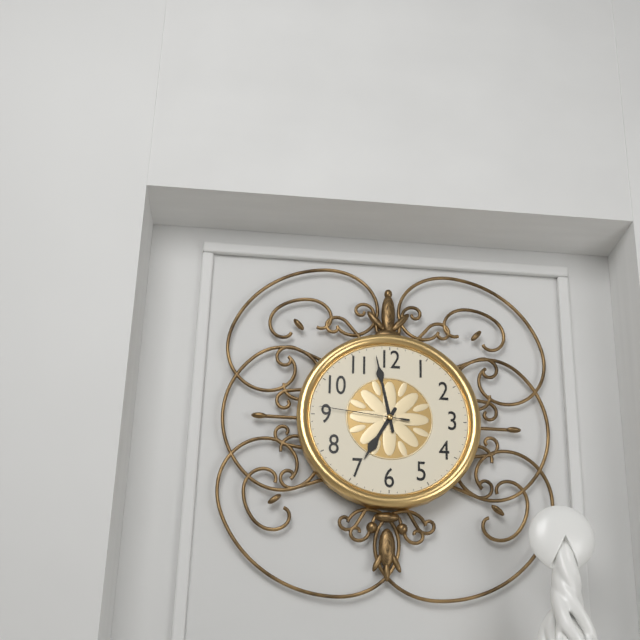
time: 6:58:46
